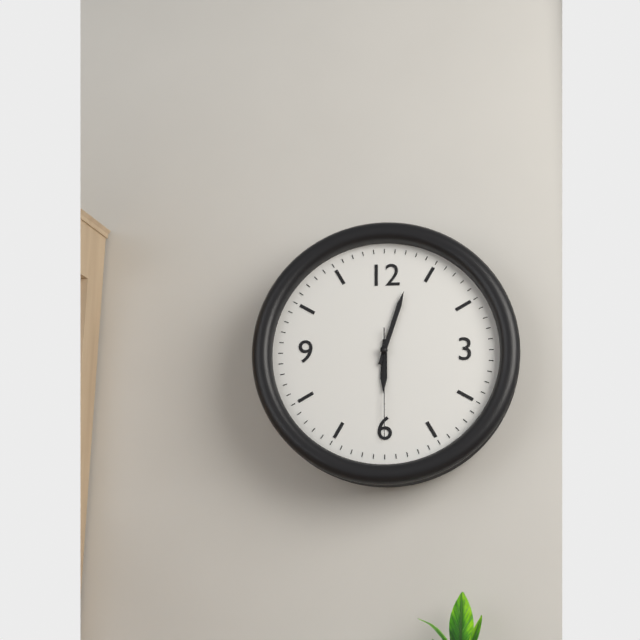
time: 6:03:30
